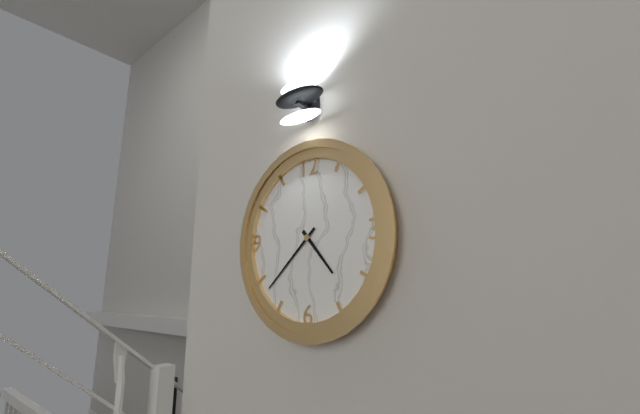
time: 4:38
